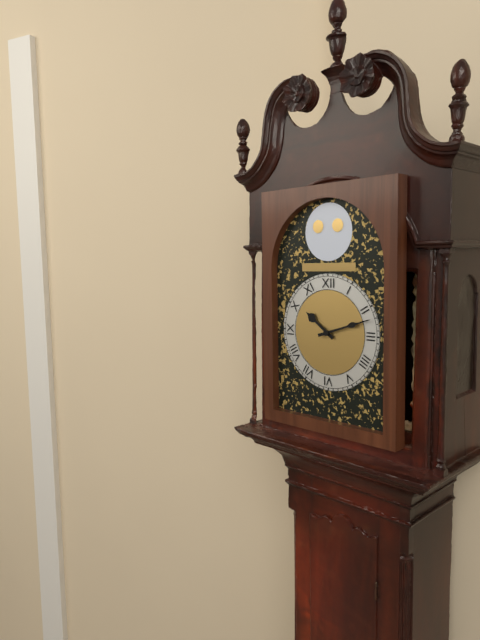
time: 10:12
